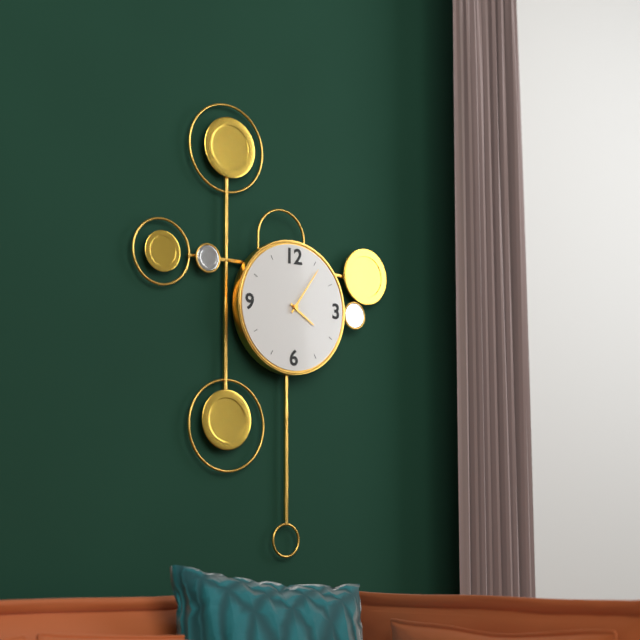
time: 4:06
